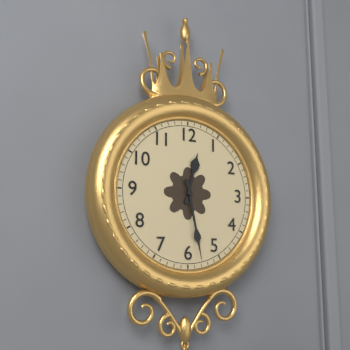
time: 12:28
